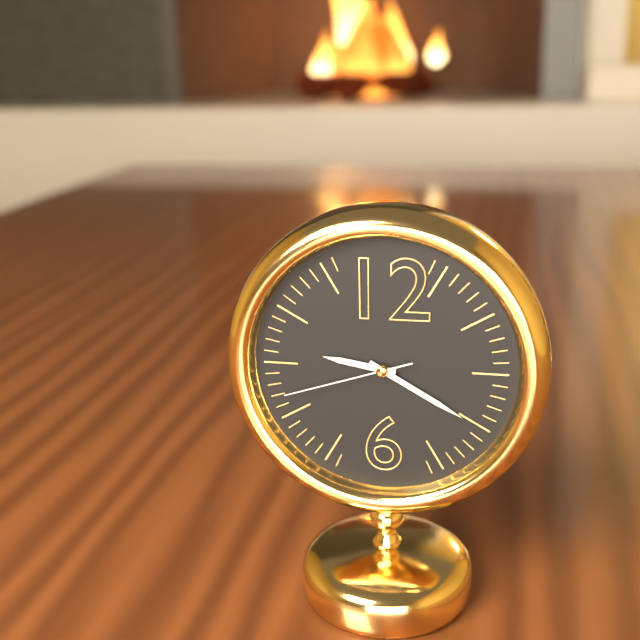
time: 9:20:42
